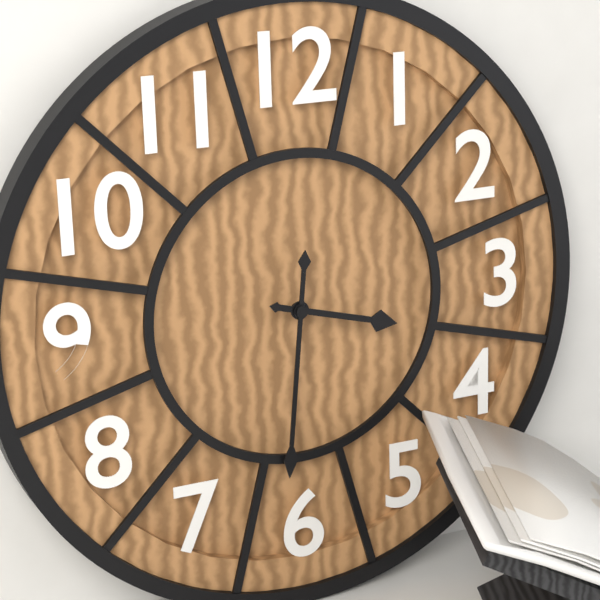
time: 3:31
